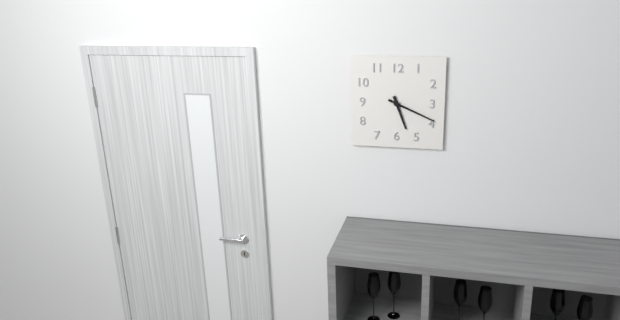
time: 5:19
